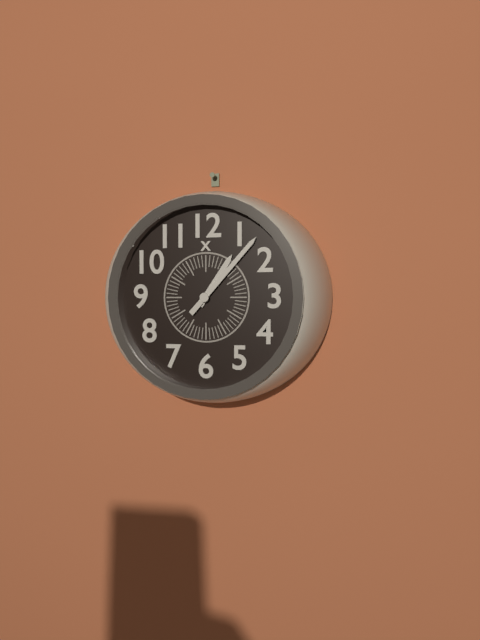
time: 1:07
